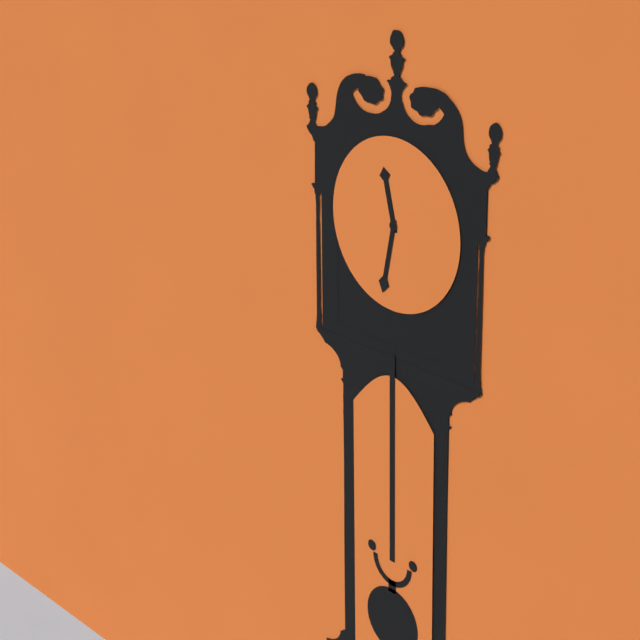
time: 11:32
